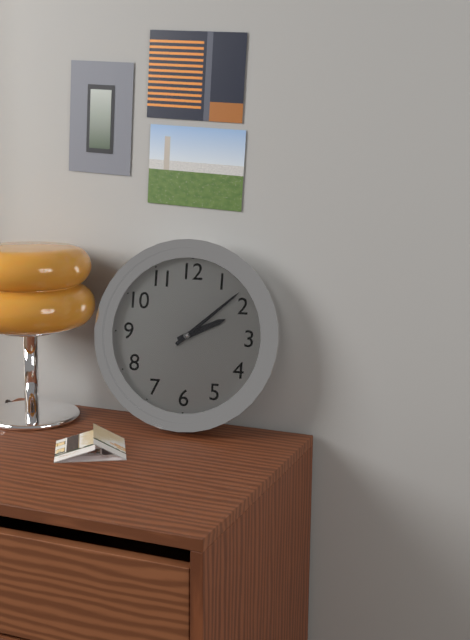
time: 2:08
